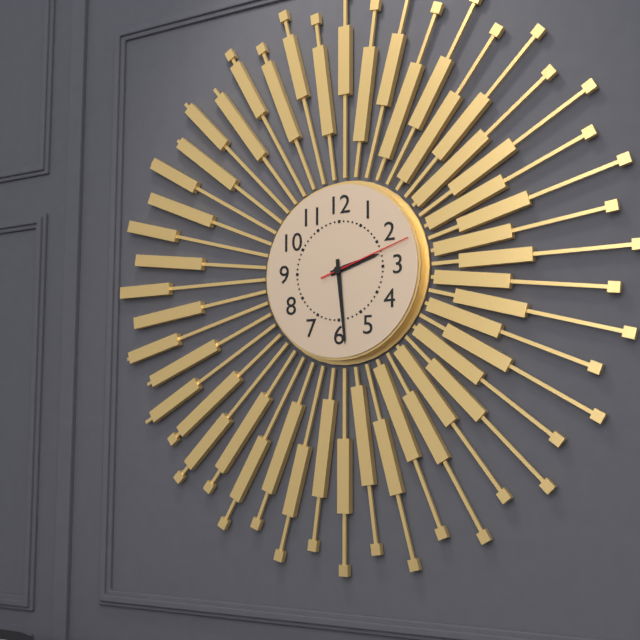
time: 2:29:12
